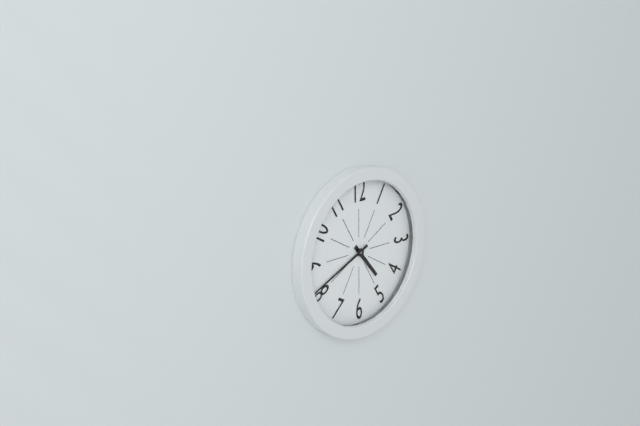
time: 4:41
